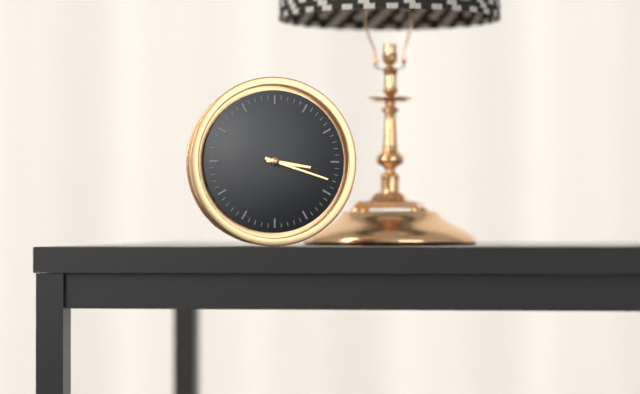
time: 3:18
